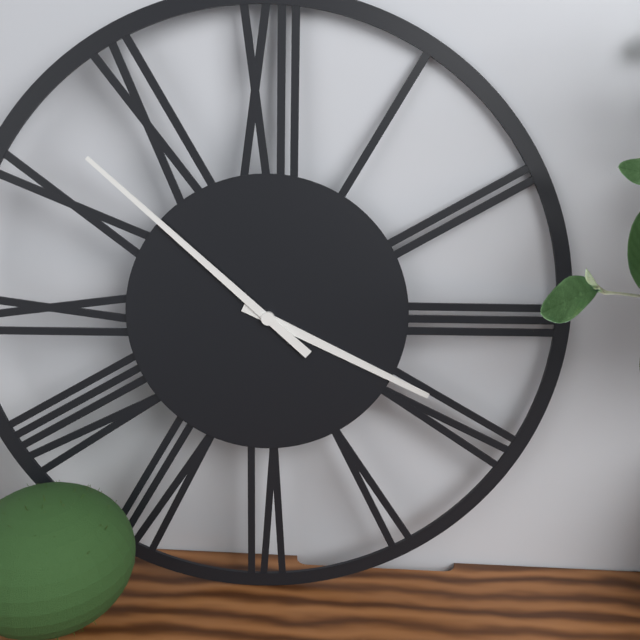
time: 3:52
